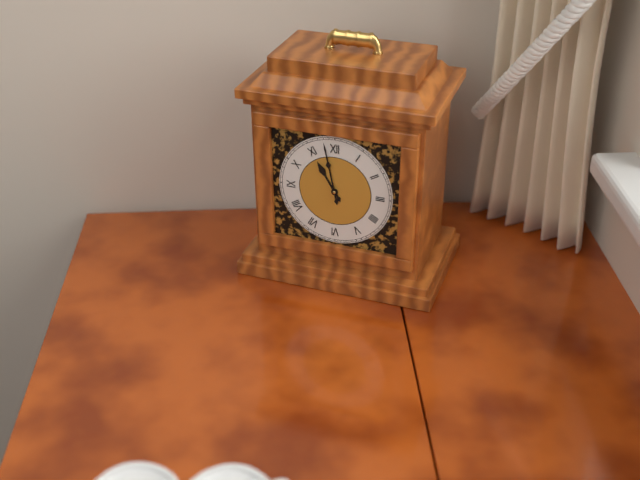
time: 10:58
